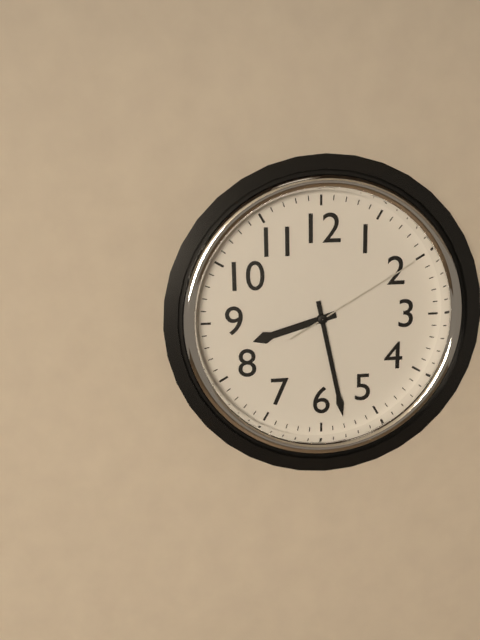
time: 8:28:10
